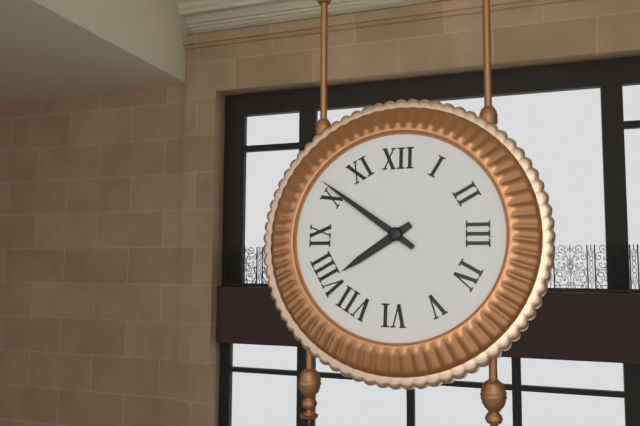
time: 7:51
